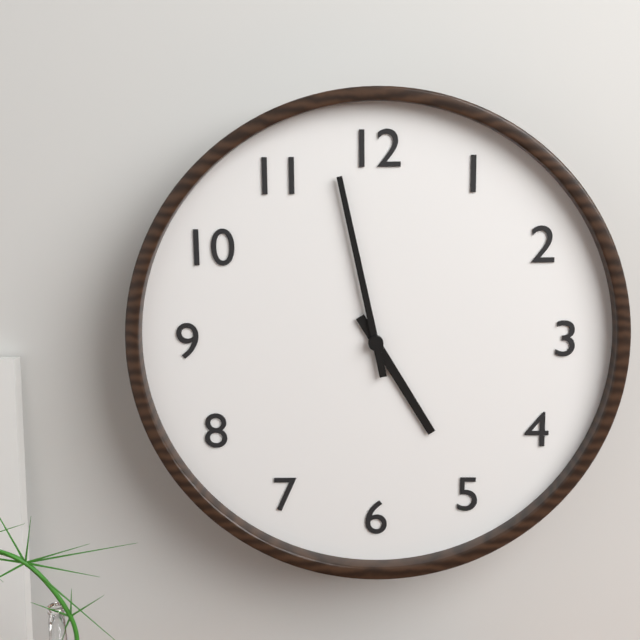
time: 4:58
